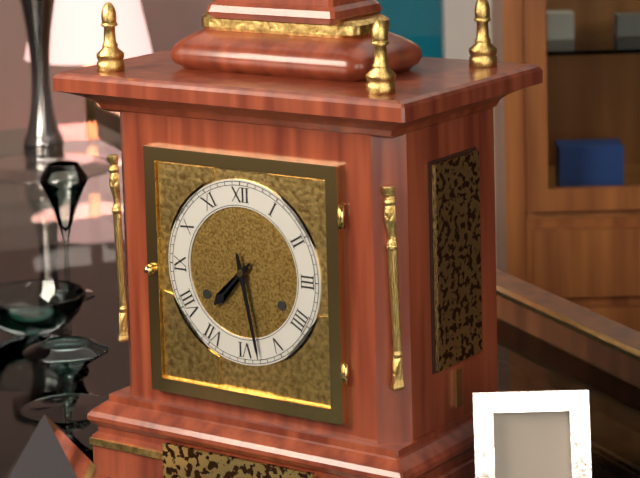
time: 7:28
